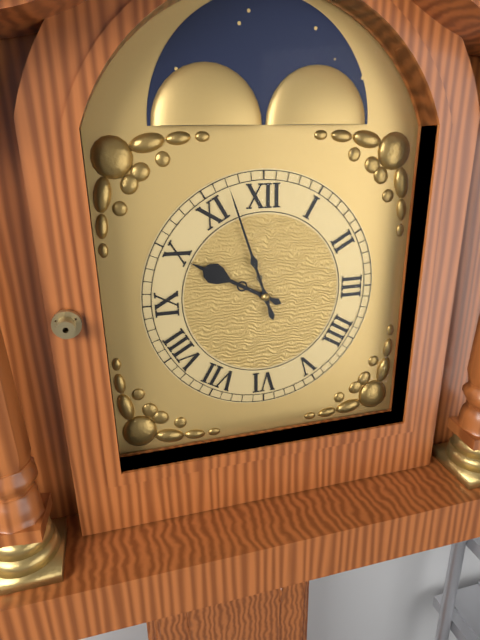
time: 9:57
